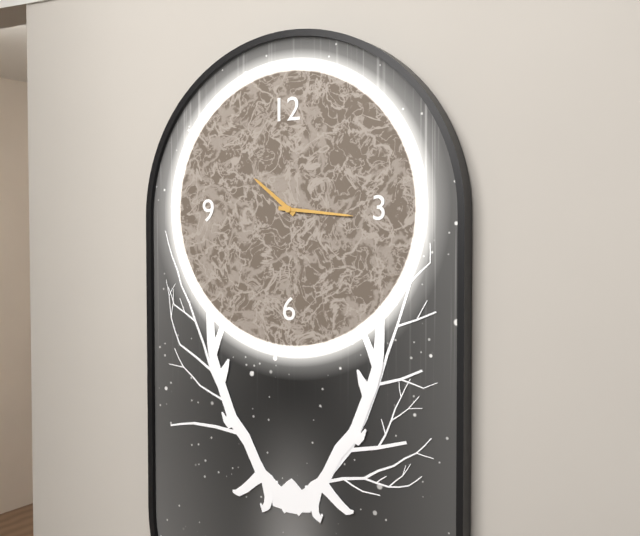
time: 10:16
